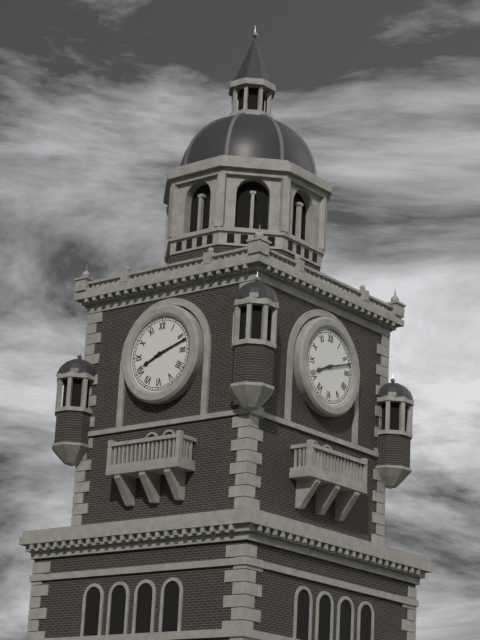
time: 8:12
